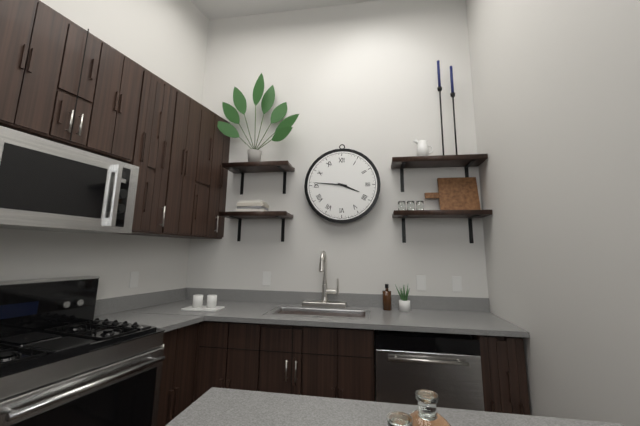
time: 3:46
